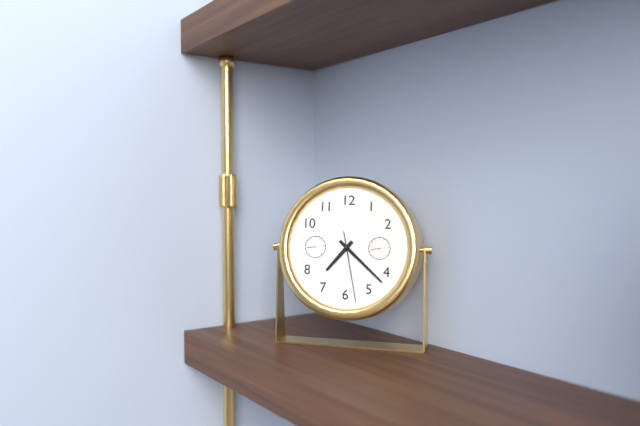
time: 7:22:28
